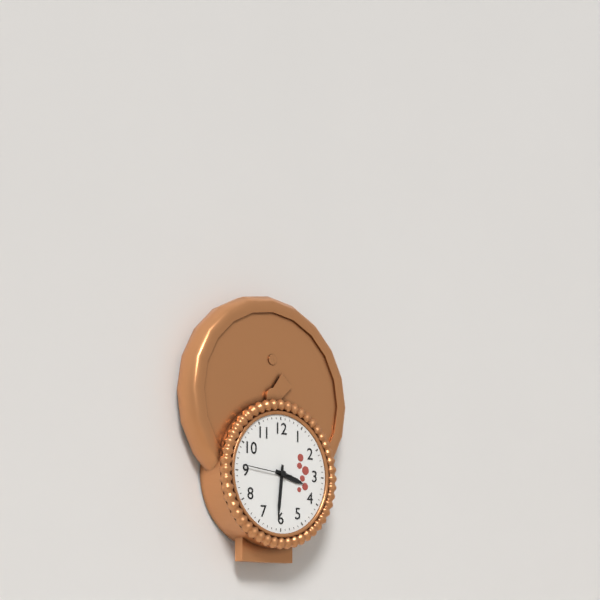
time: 3:31
